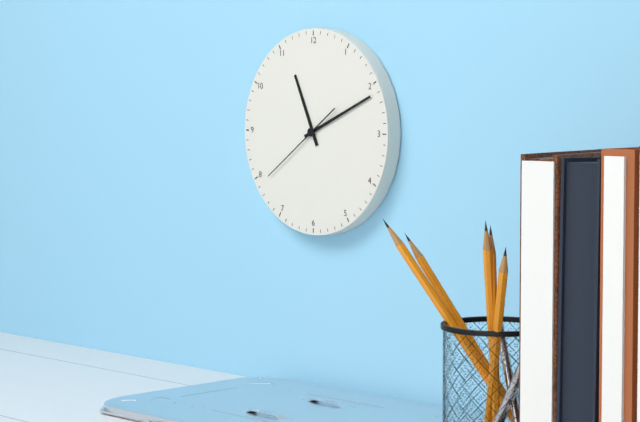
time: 11:11:39
